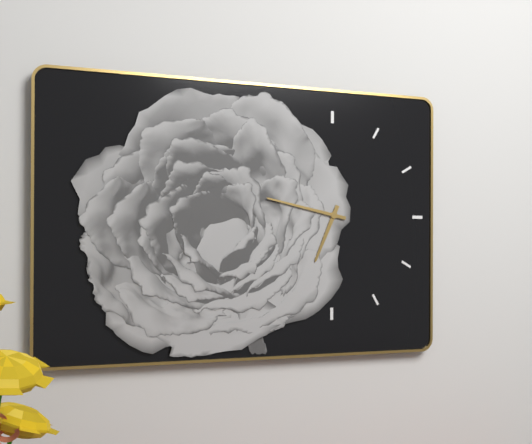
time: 6:47
